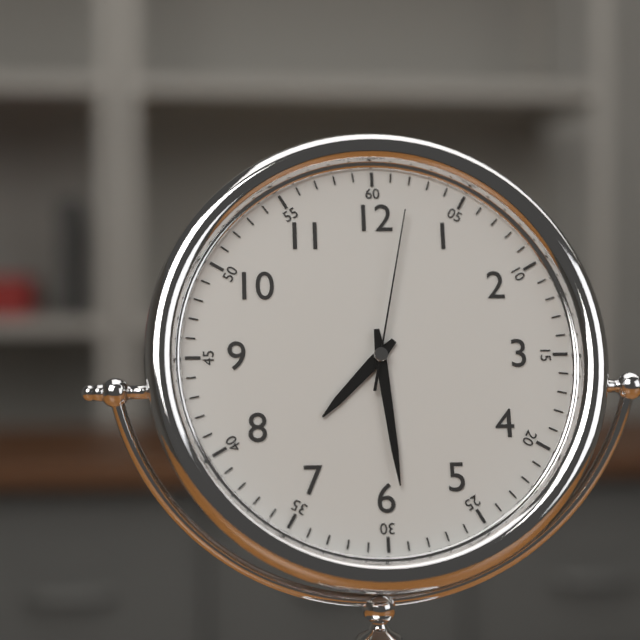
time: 7:29:02
